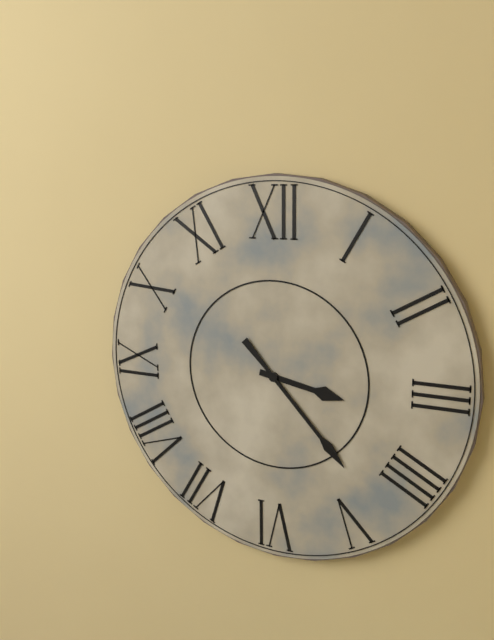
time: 3:23
